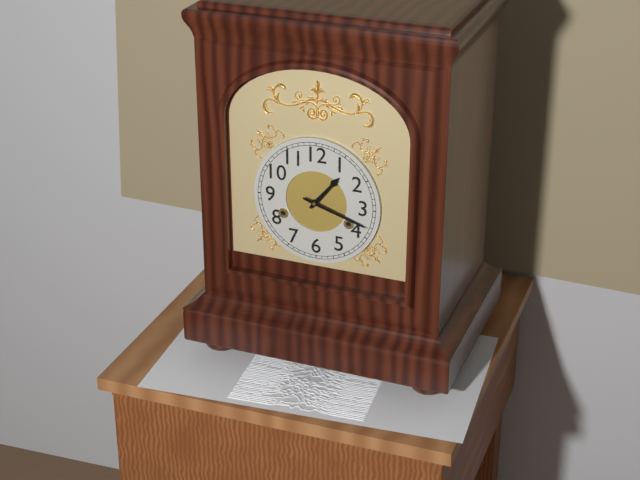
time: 1:18
